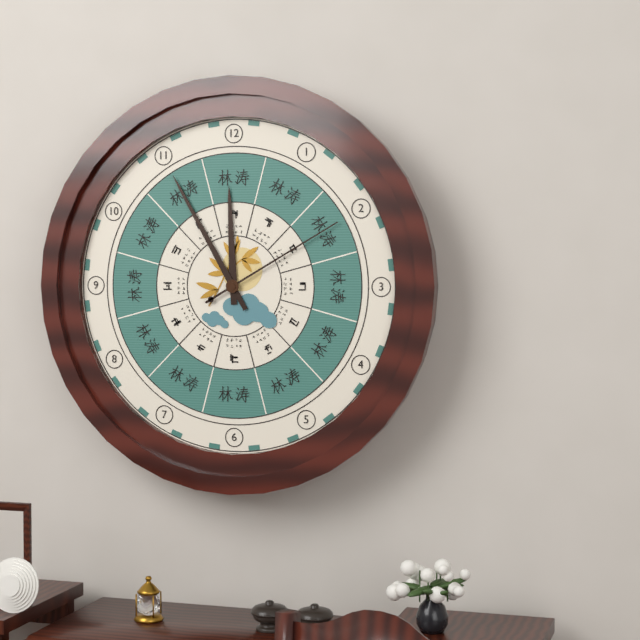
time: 11:55:10
